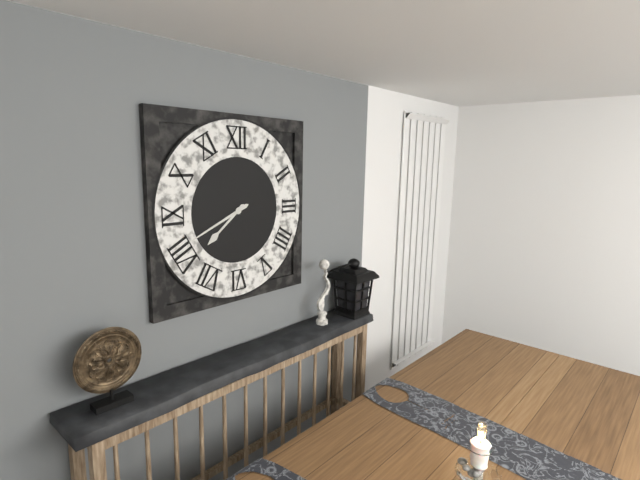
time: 7:41
